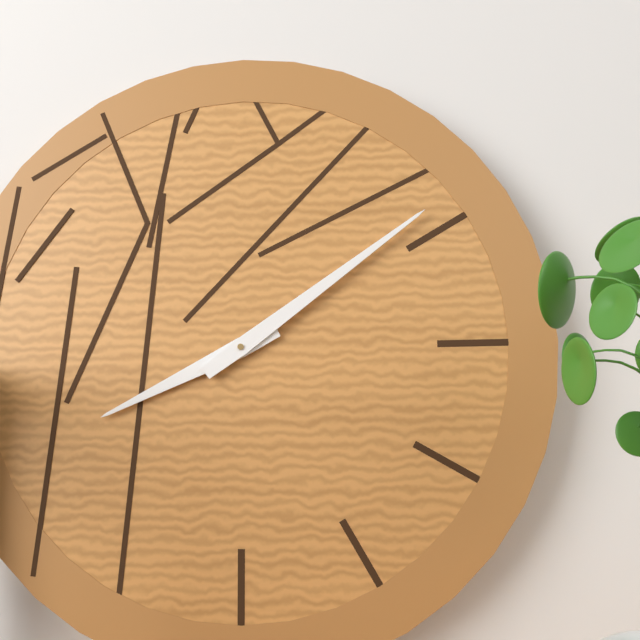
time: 8:09
